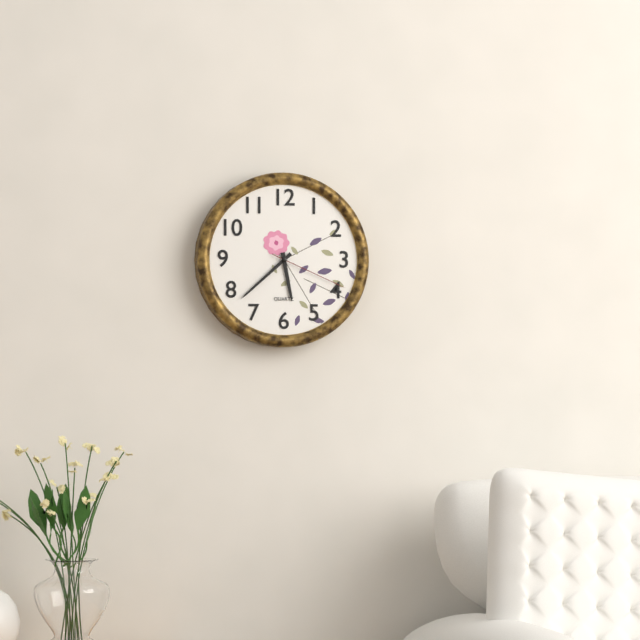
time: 5:38:19
